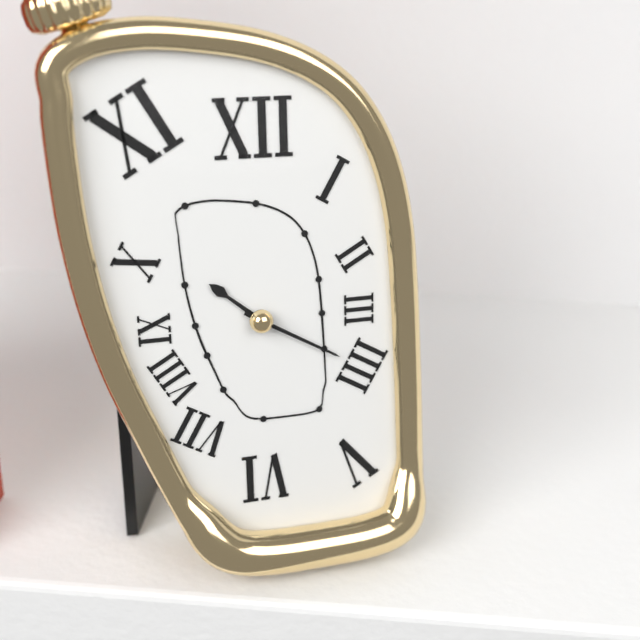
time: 10:20
